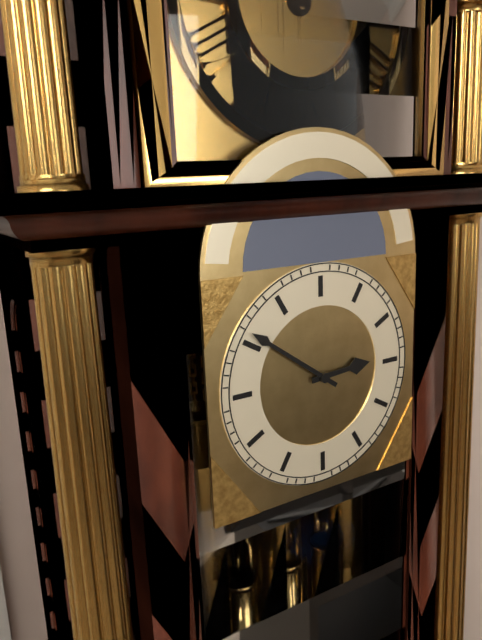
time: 2:51
